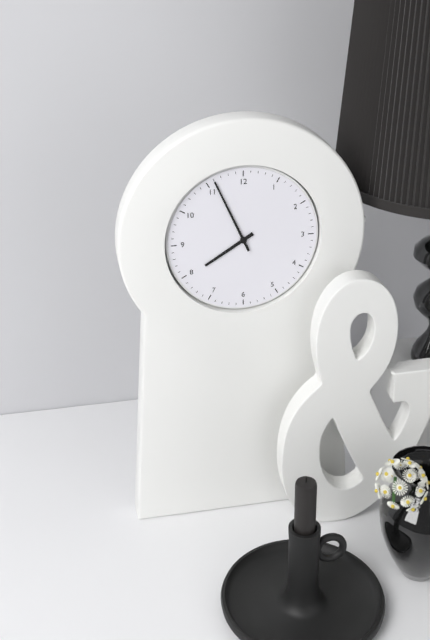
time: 7:56
